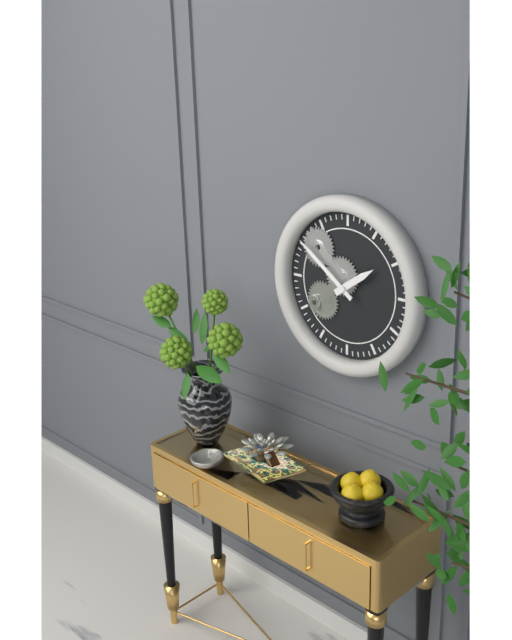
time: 1:51
